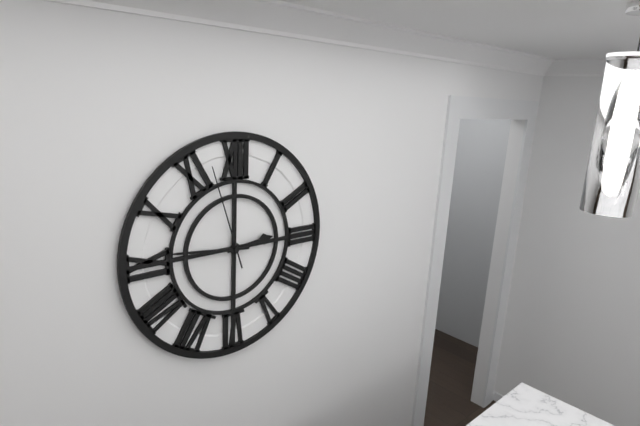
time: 2:46:57
